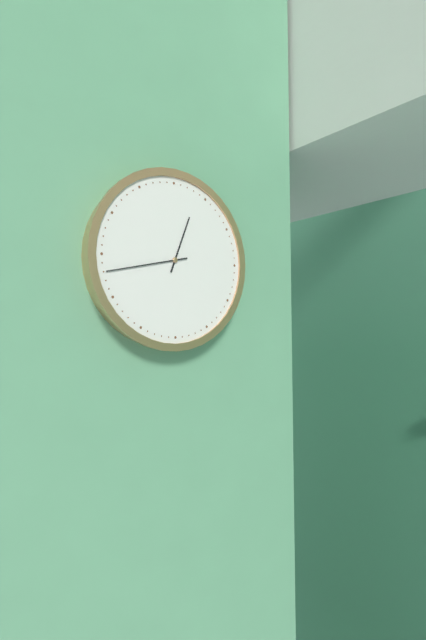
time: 12:43
